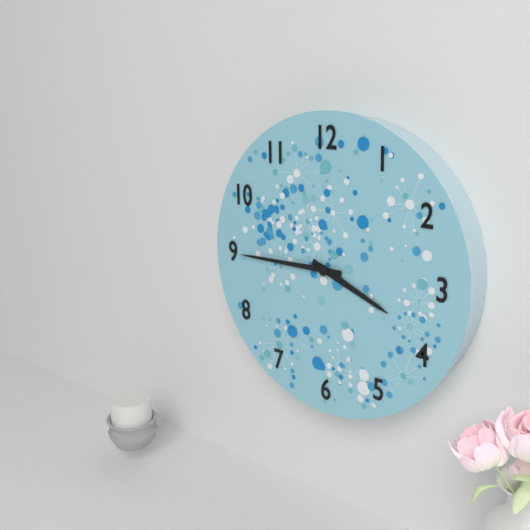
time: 3:45
